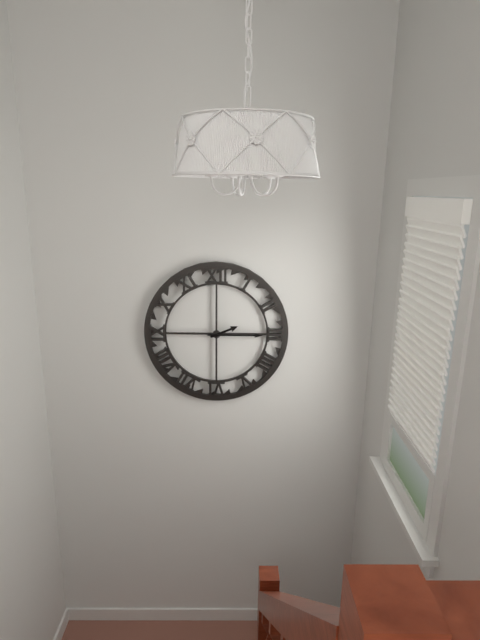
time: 2:15
